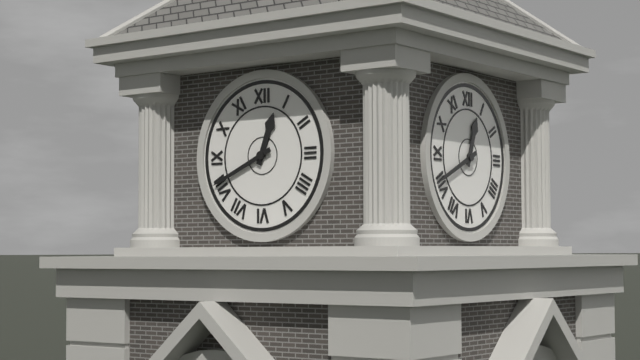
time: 12:41
